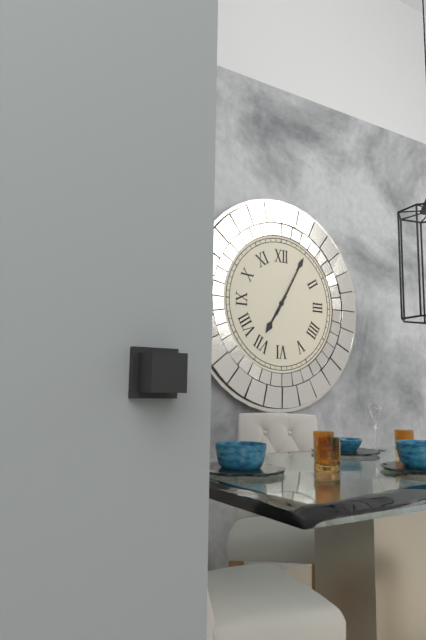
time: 7:05
